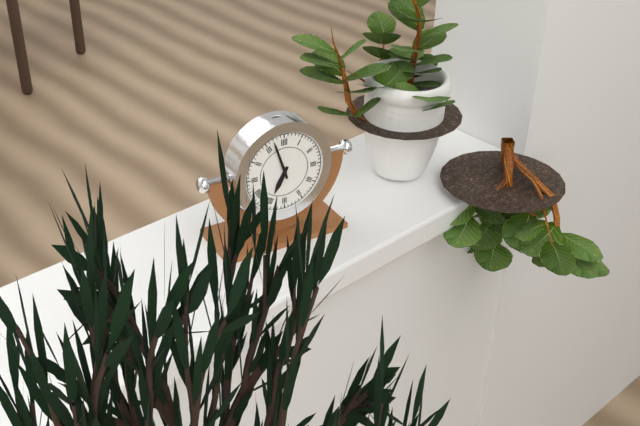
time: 6:57
